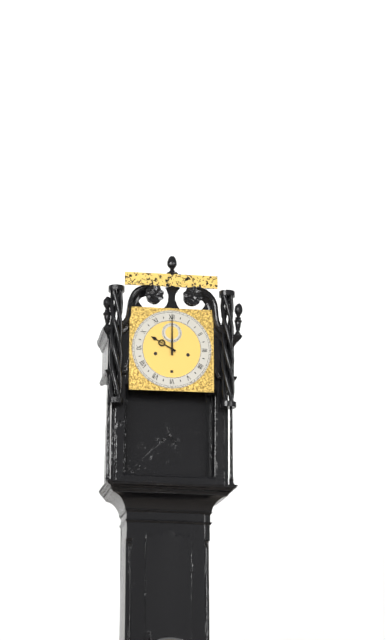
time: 10:00
